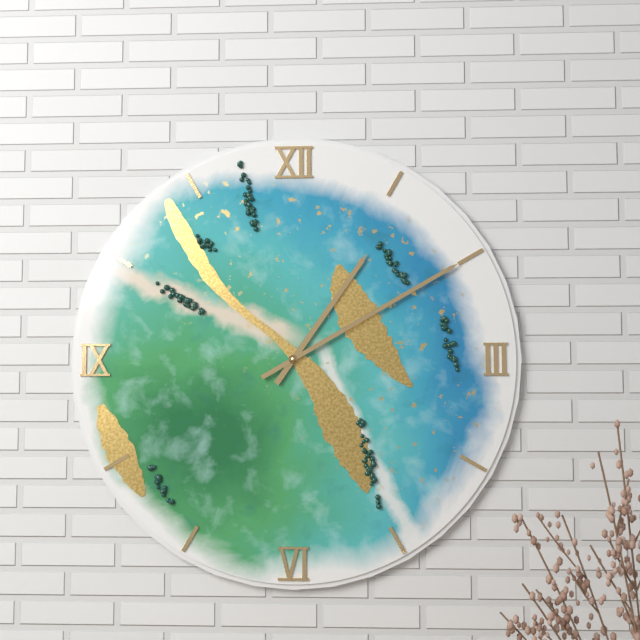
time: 1:10
